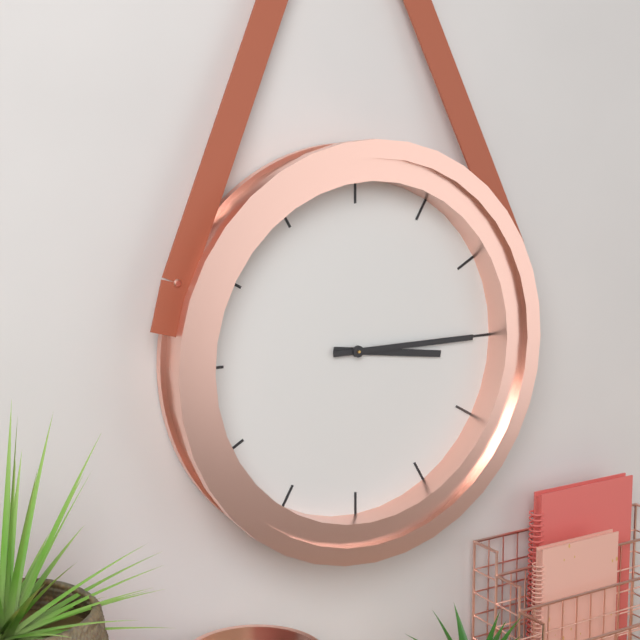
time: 3:15
